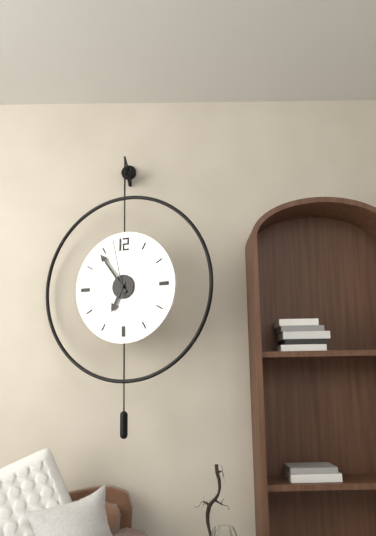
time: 6:54:58
